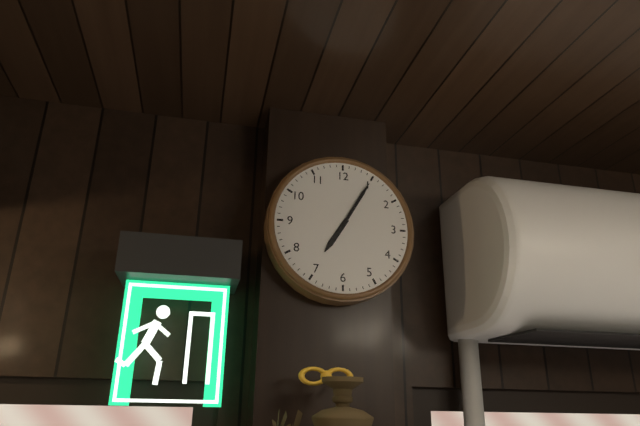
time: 7:05
